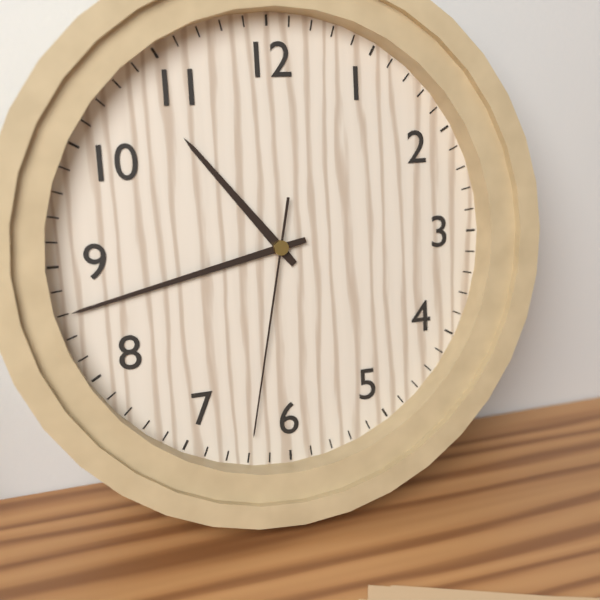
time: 10:43:32
